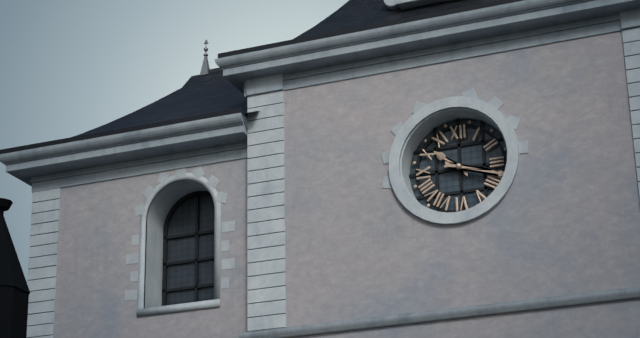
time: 10:18
